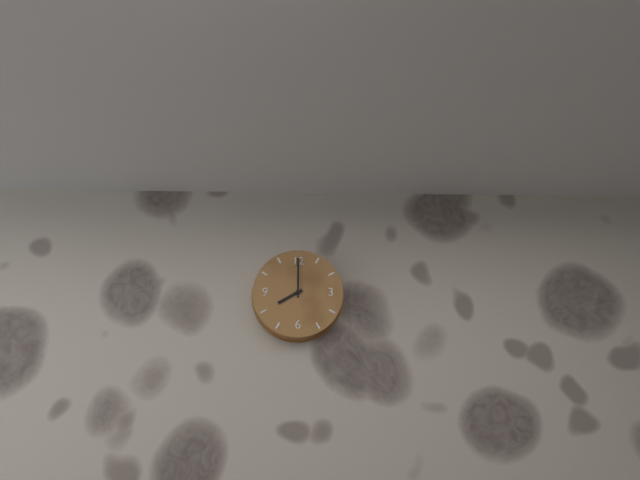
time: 8:00
